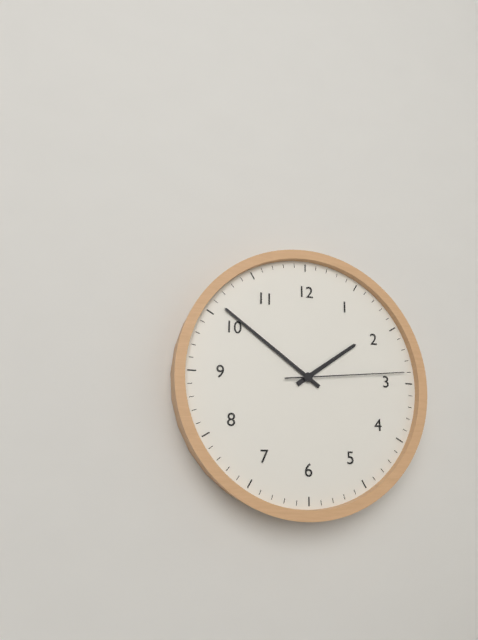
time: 1:51:14
